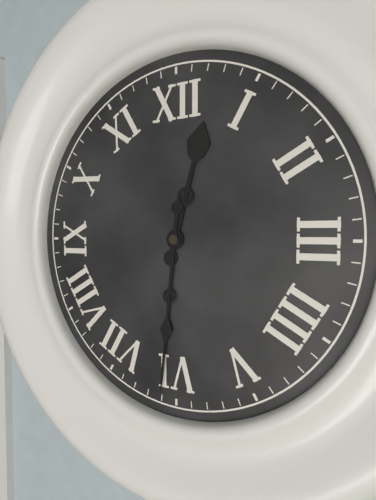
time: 12:31
